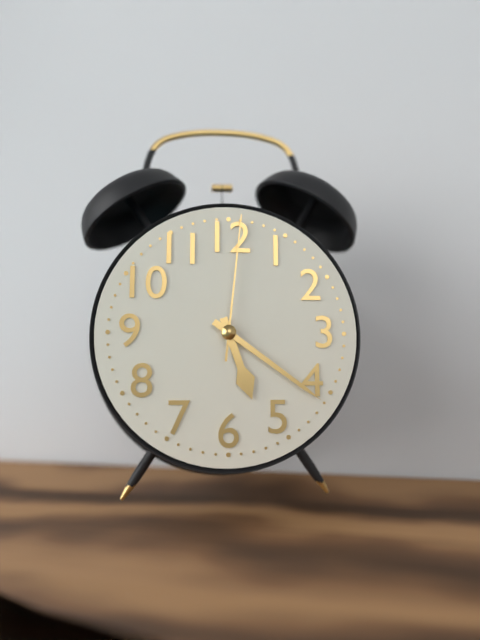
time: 5:21:01
